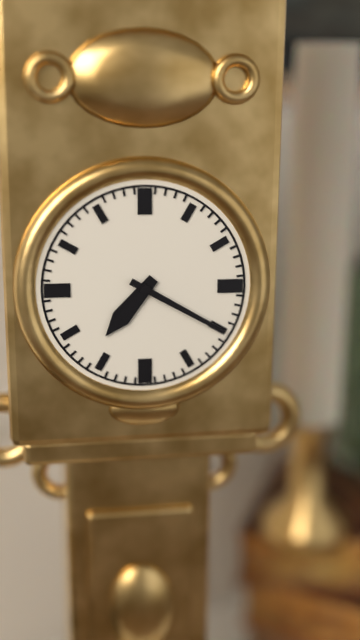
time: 7:20
